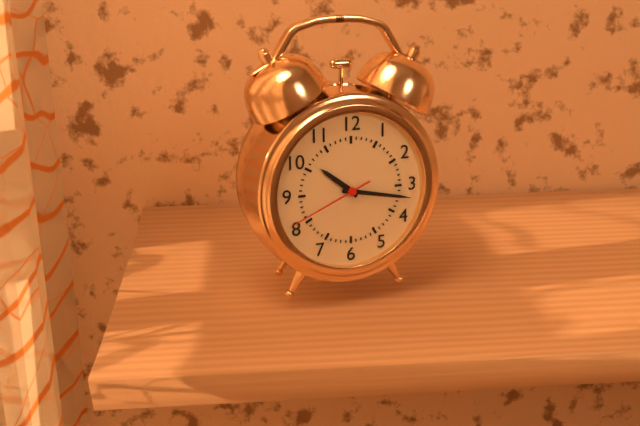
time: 10:17:41
